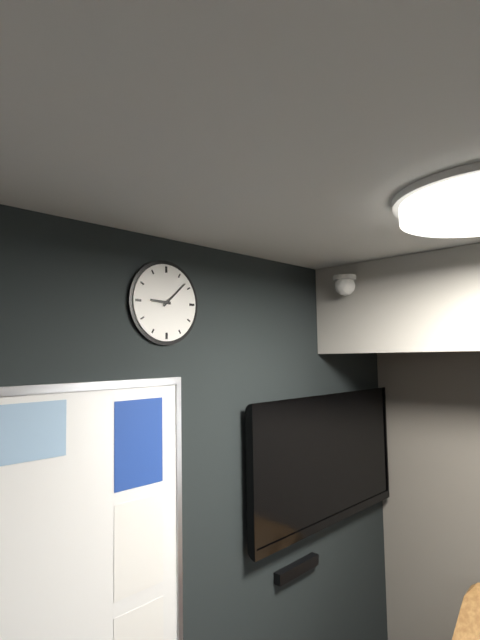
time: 9:08
